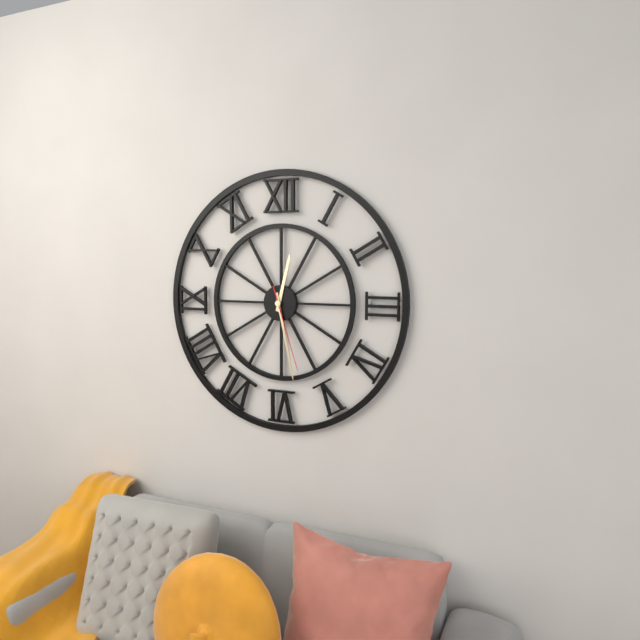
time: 12:28:27
